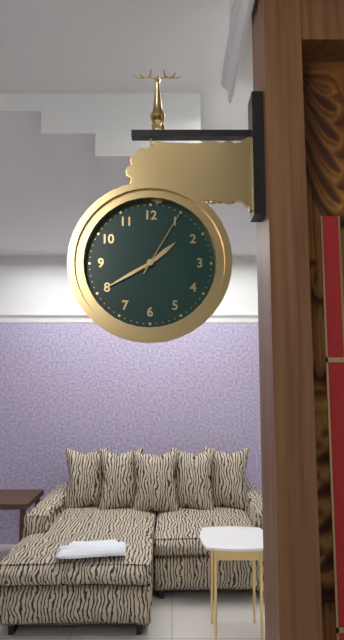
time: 1:40:05
